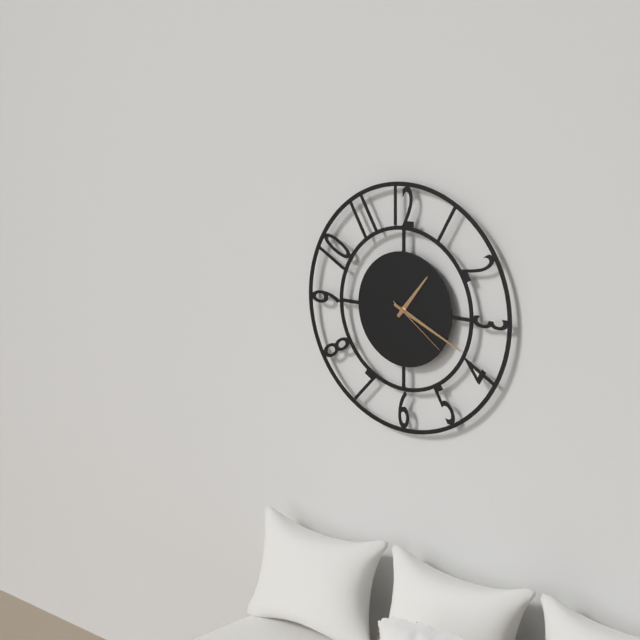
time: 1:19:21
